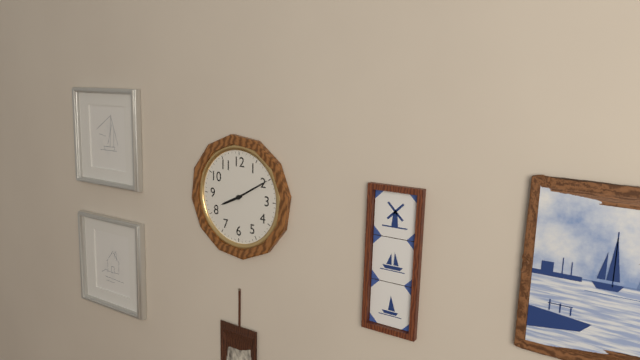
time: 8:10
